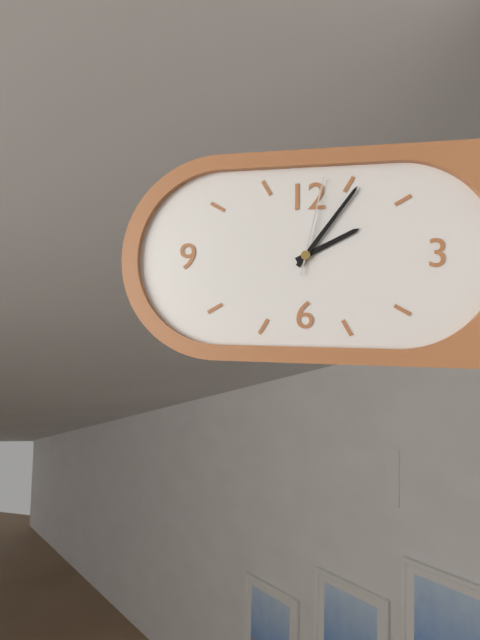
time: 2:06:02
